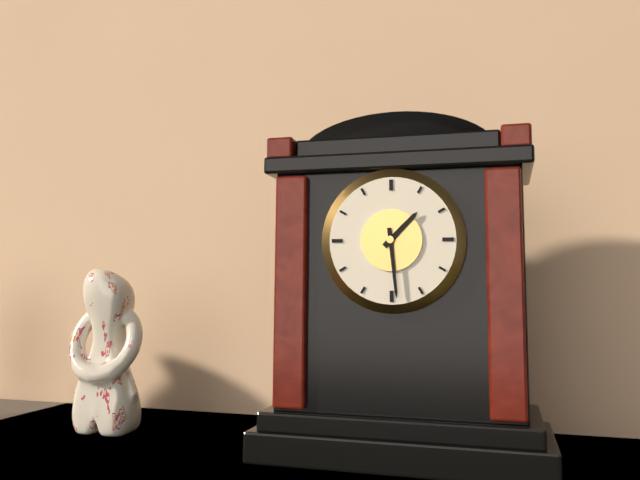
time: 1:29
